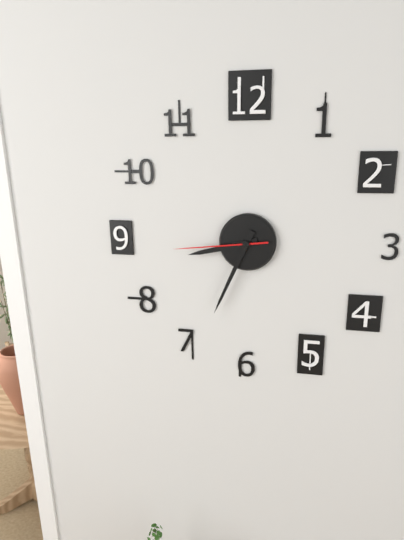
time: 8:34:44
